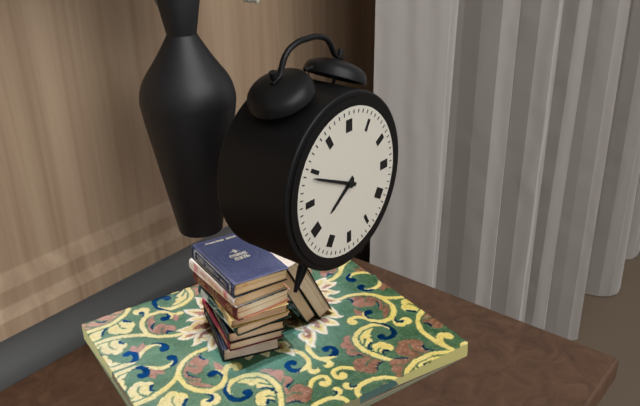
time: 7:49
